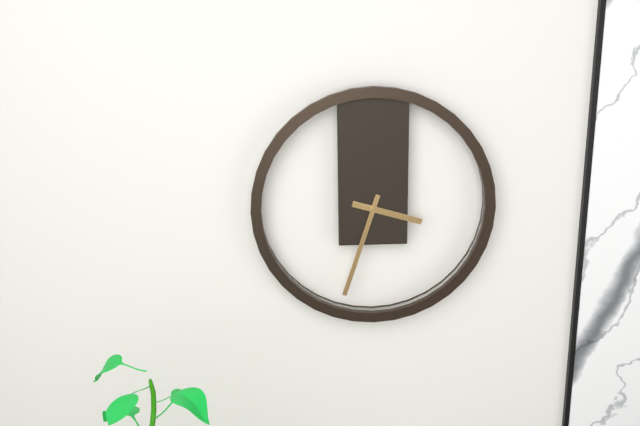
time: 3:33
